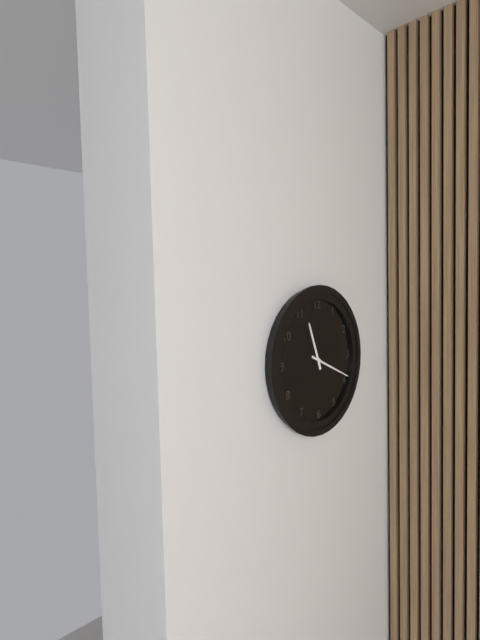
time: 11:19
